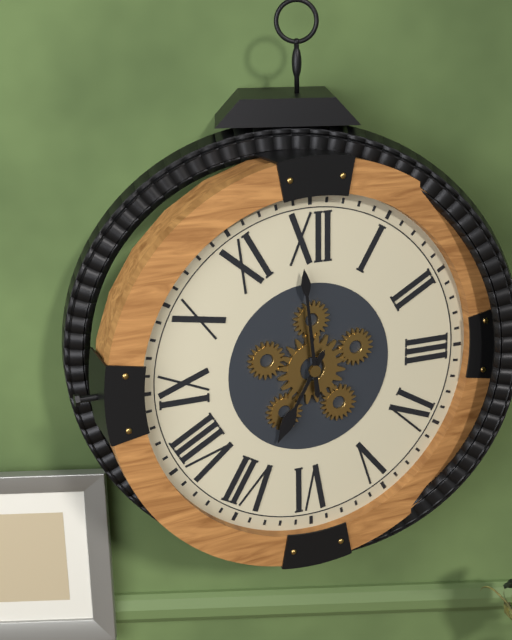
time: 6:59
